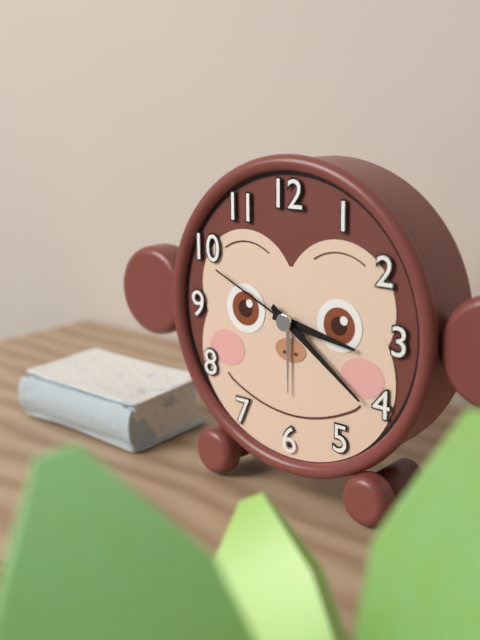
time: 3:21:49
